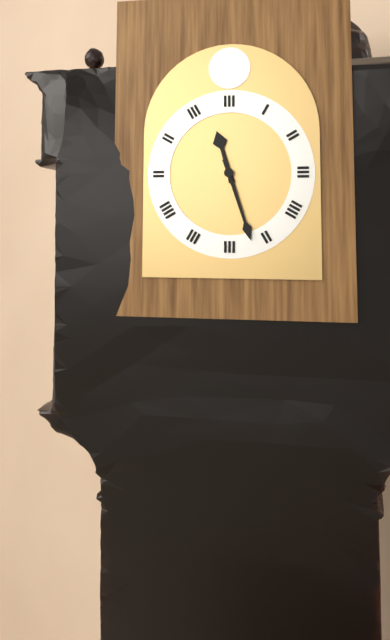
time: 11:27
